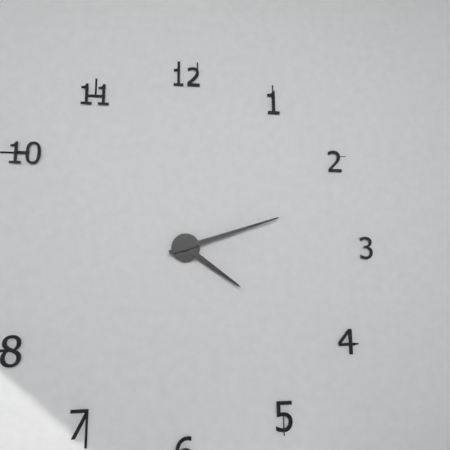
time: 4:12
